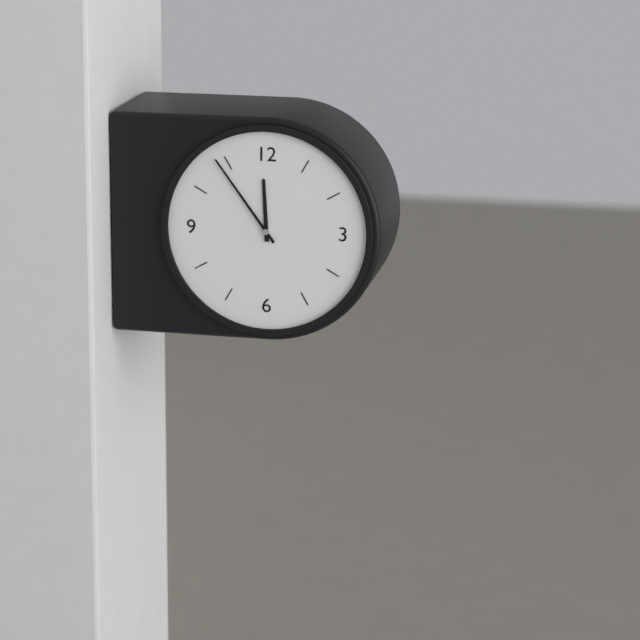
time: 11:54
